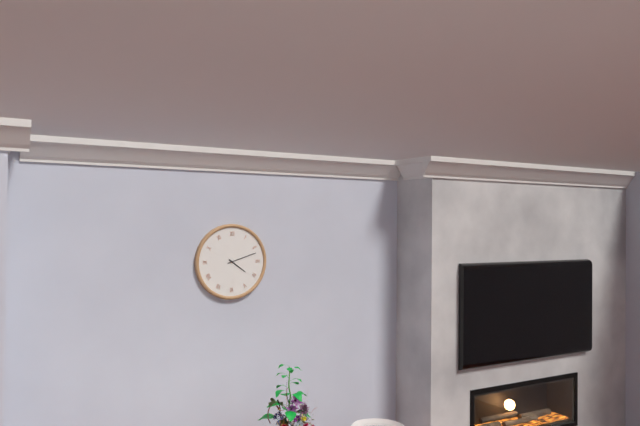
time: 4:12
